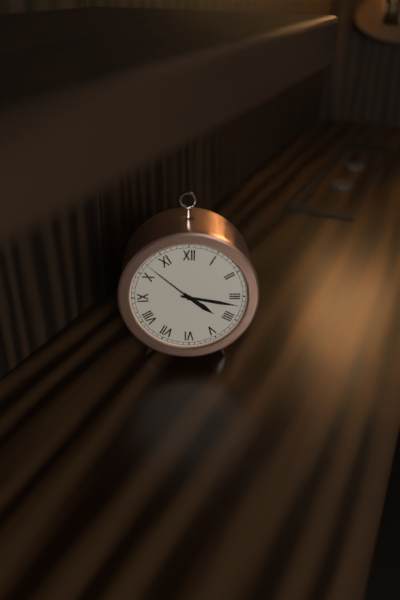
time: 4:17:52
